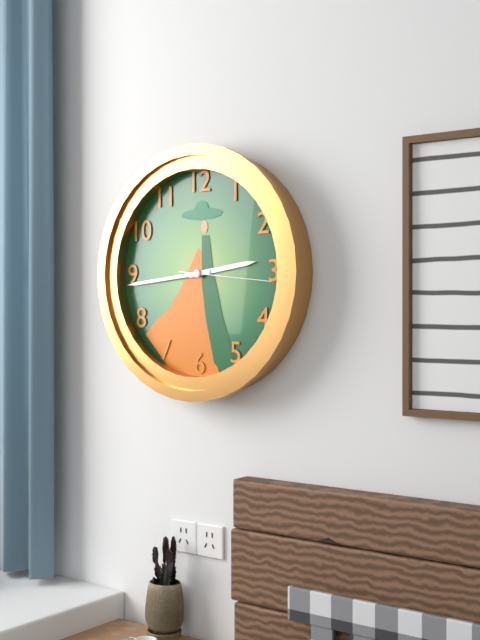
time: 2:44:16
